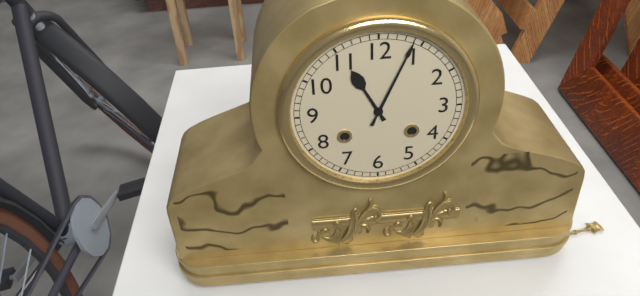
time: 11:04
